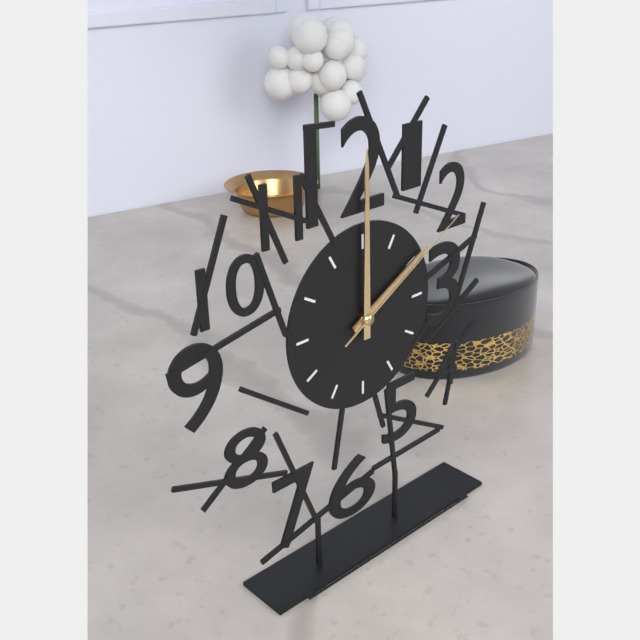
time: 2:00:10
